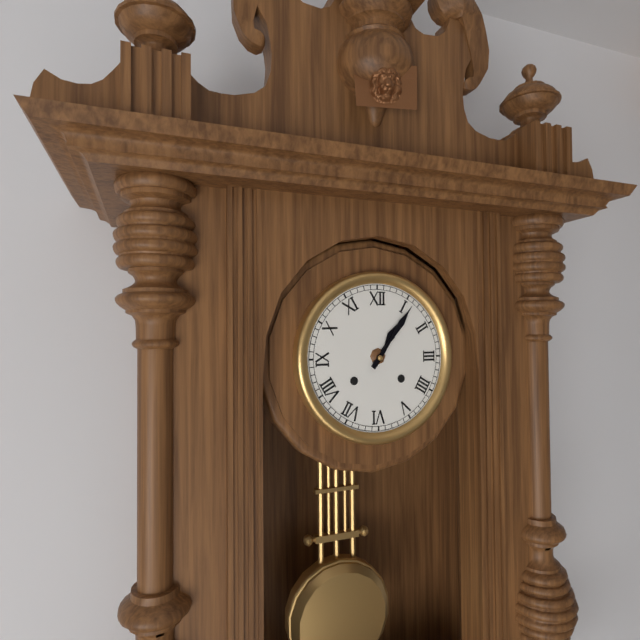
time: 1:06
